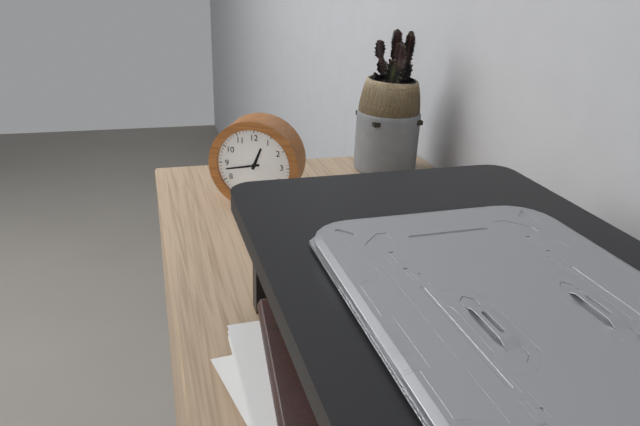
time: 12:43
